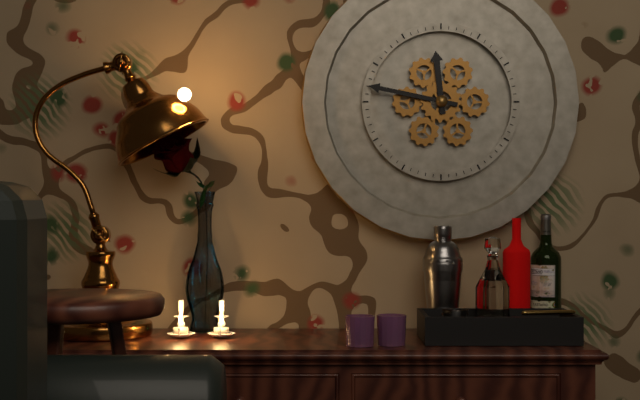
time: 11:47
